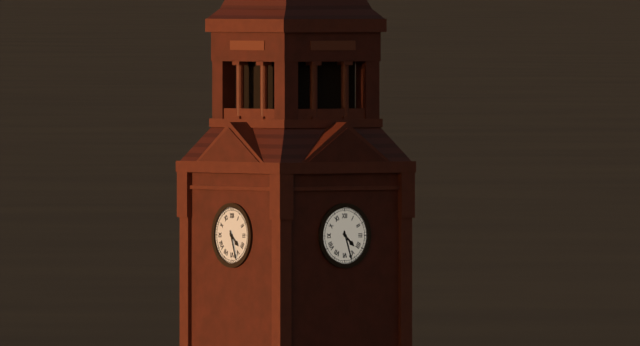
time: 4:27
